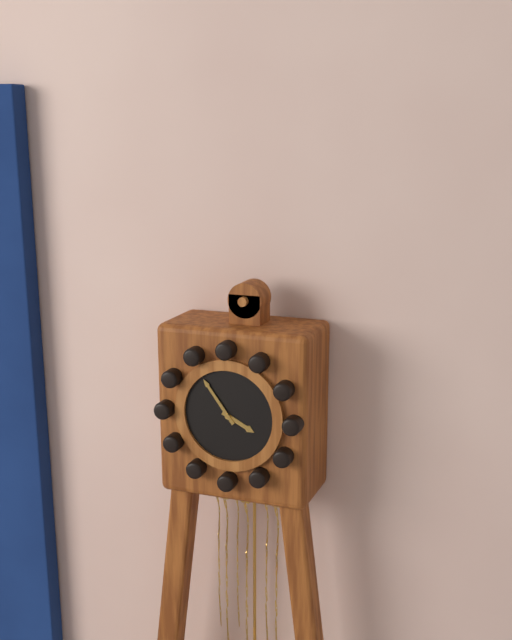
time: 3:54
